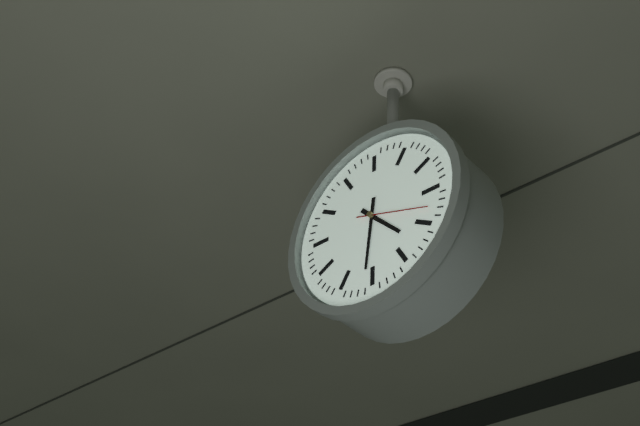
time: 4:31:18
